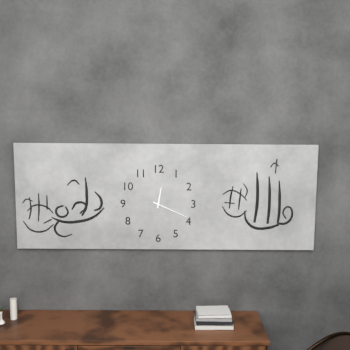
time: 12:19
